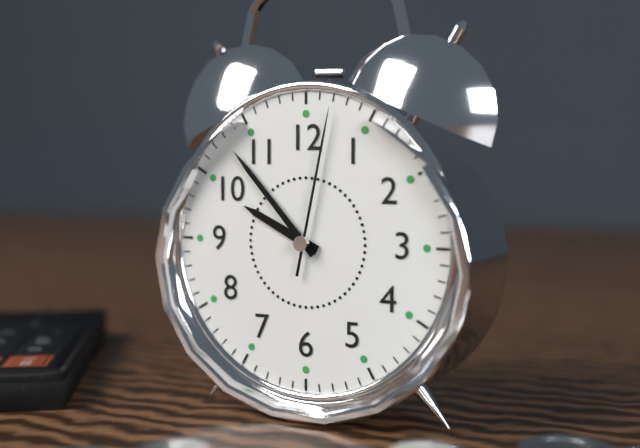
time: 9:53:02
